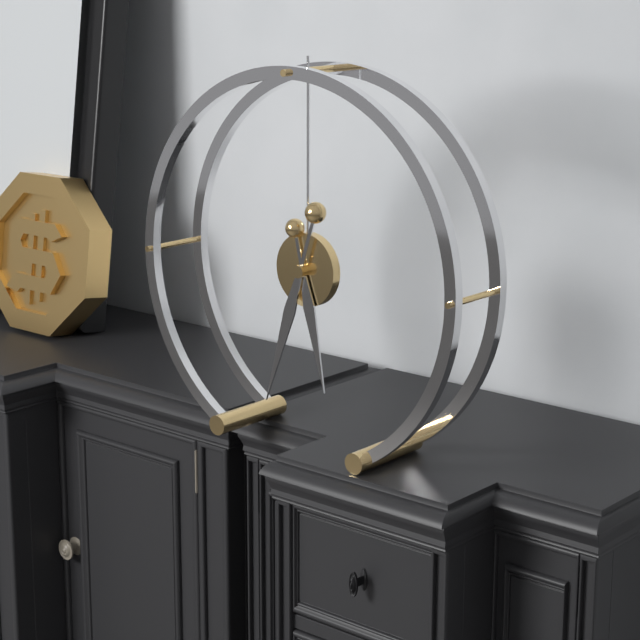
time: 5:33
